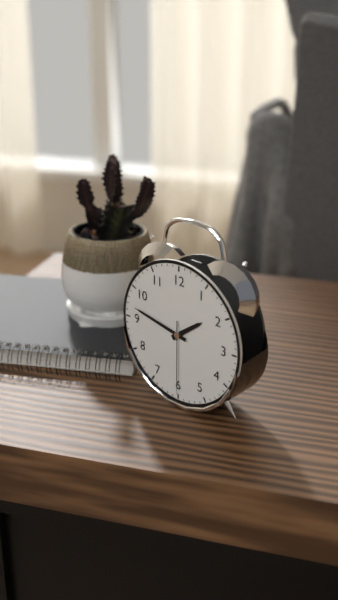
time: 1:47:30
